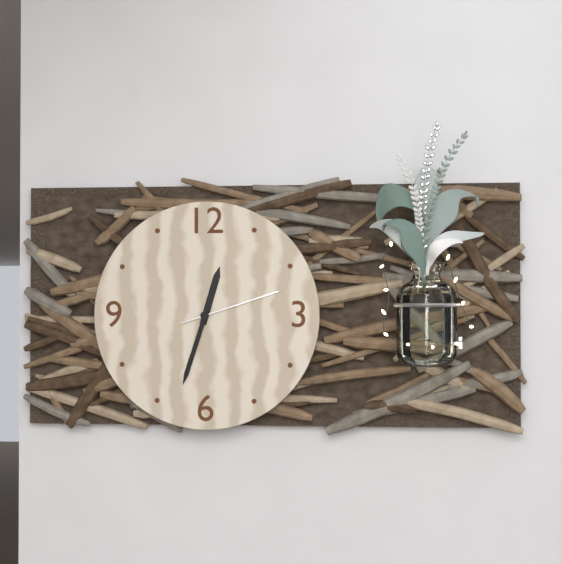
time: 12:33:12
